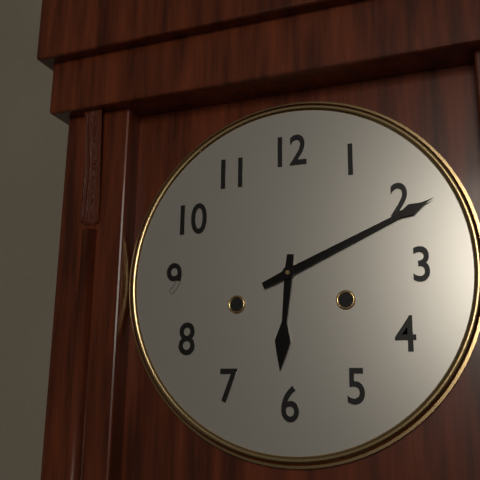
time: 6:11
